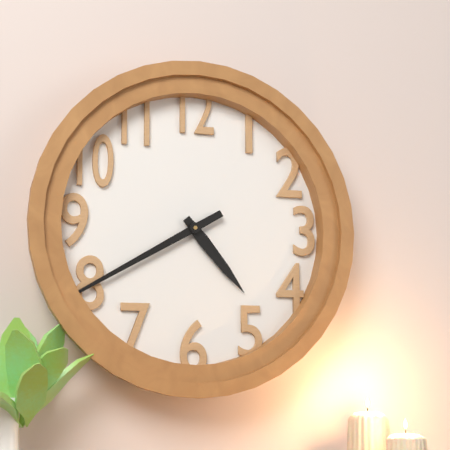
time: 4:40
